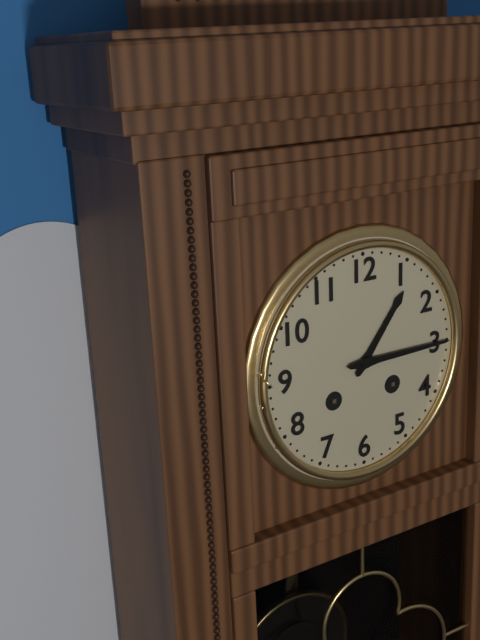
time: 1:15
